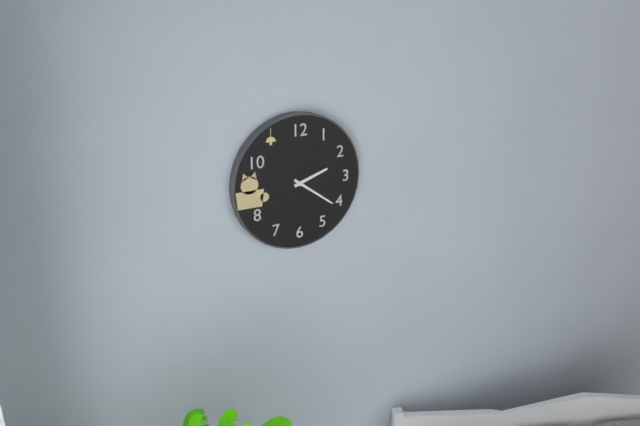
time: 2:21
